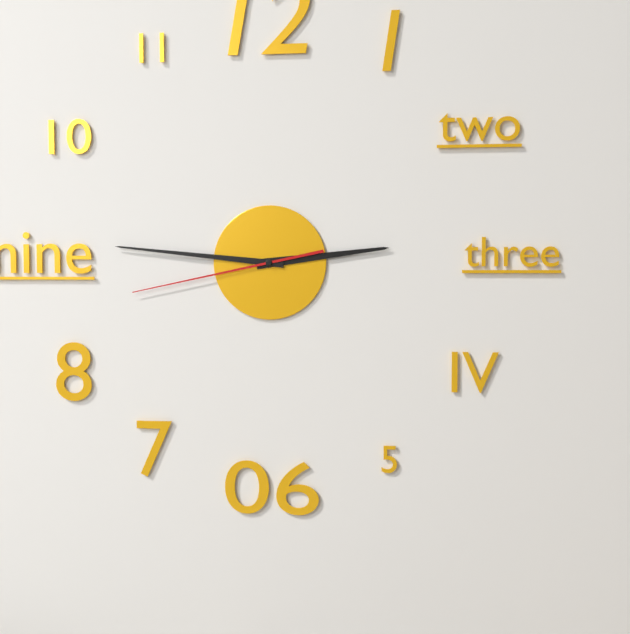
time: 2:46:43
